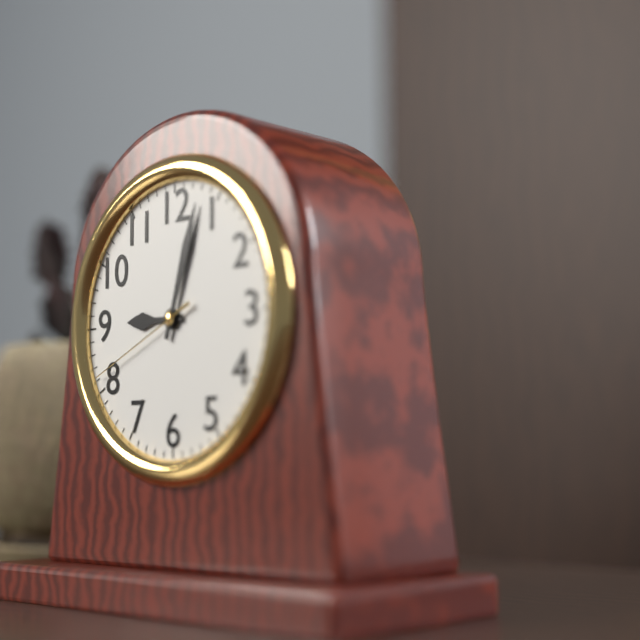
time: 9:03:41
